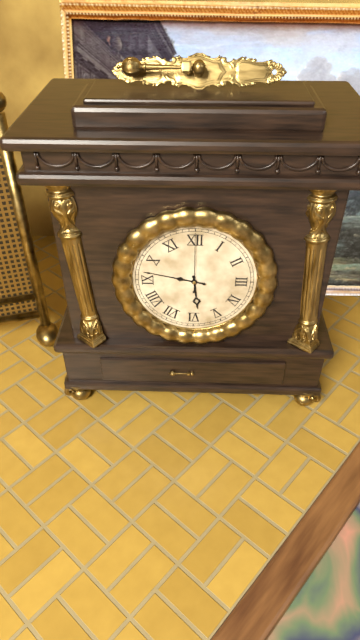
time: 5:47:00
